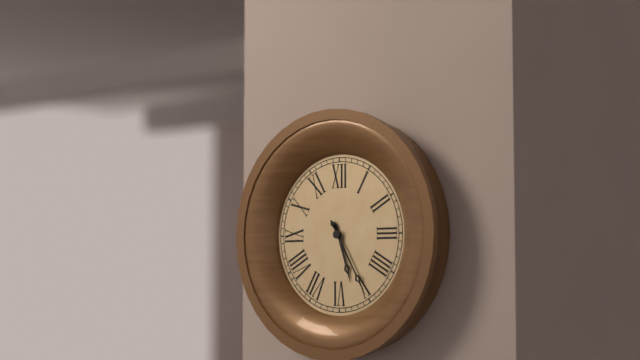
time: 5:25
